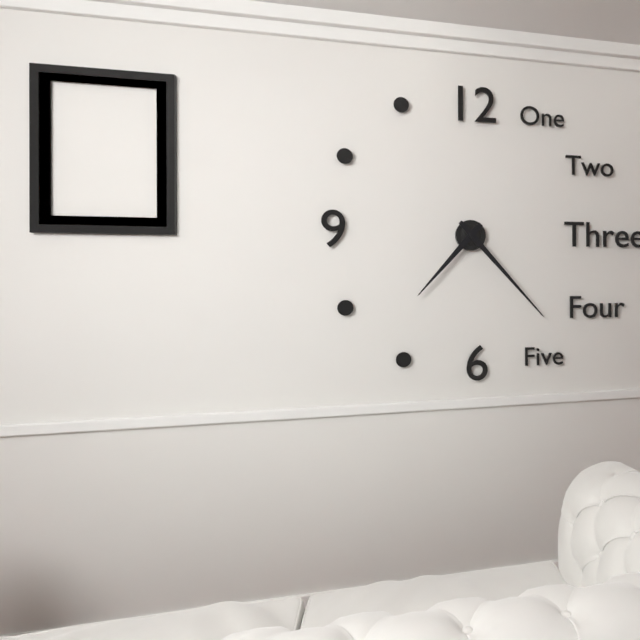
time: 7:23
